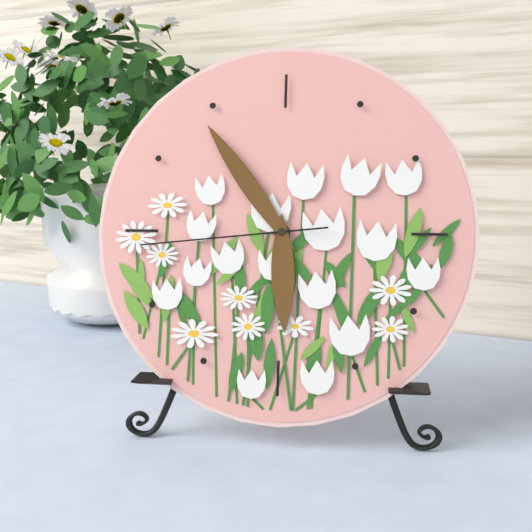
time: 5:54:44
